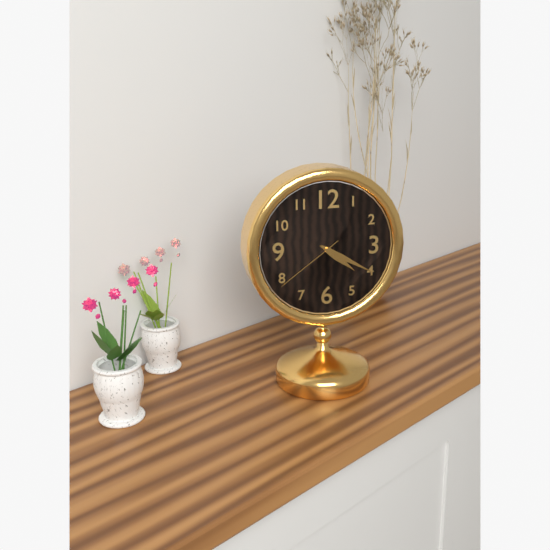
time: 4:20:39
